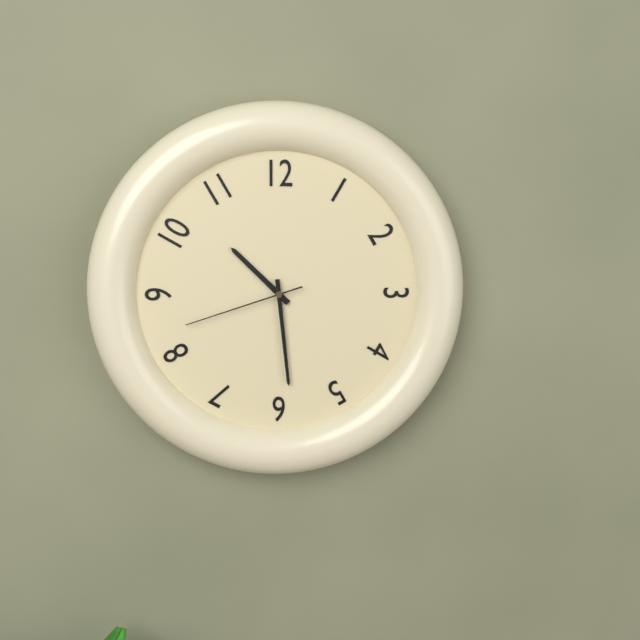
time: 10:29:42
